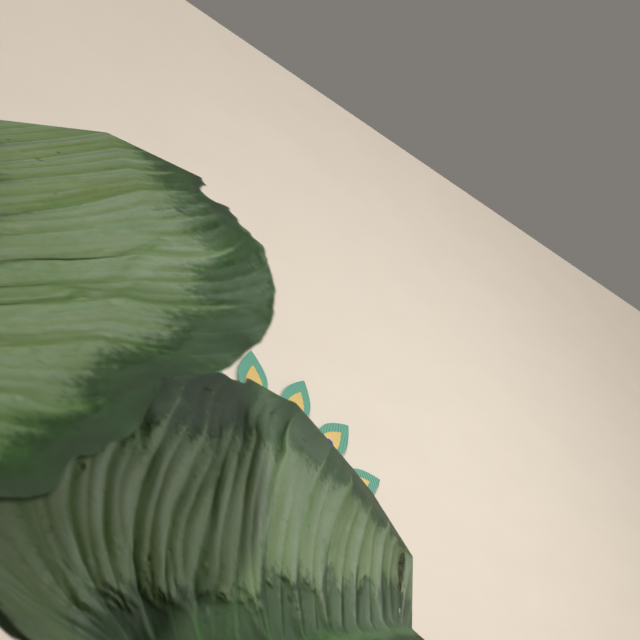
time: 9:59
